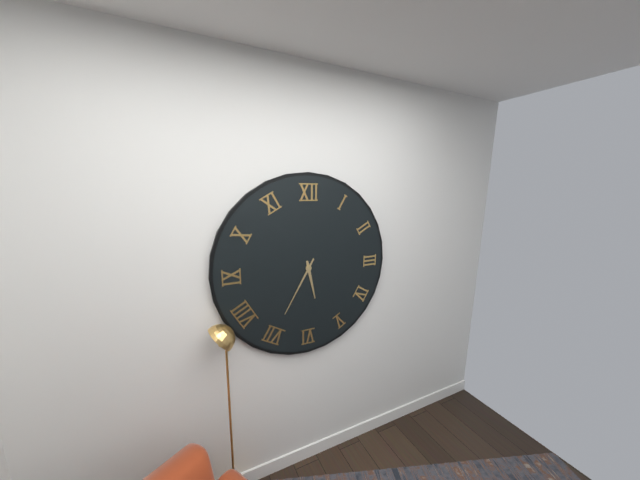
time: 5:35
